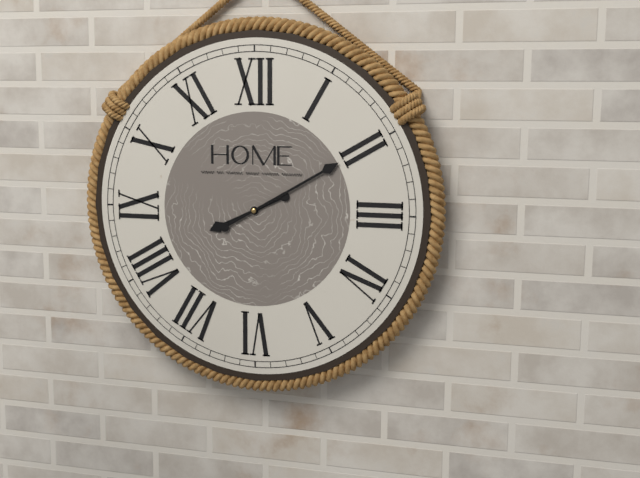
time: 8:10
